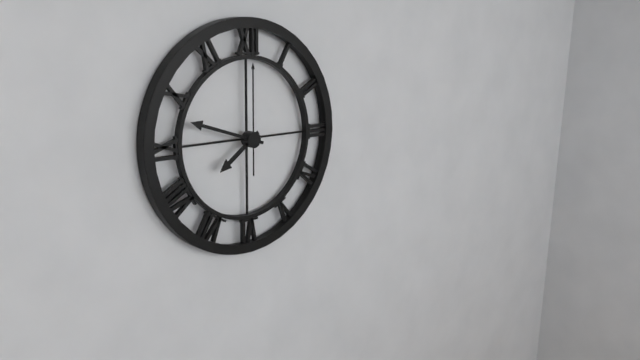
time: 7:48:00
